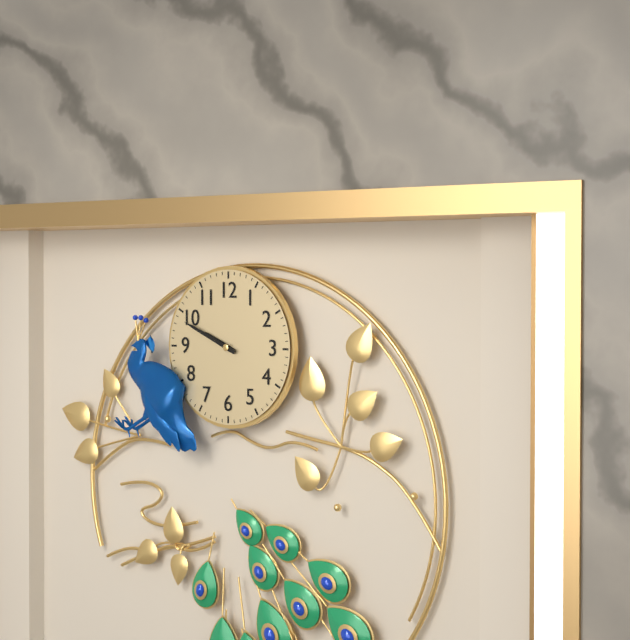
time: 9:49
